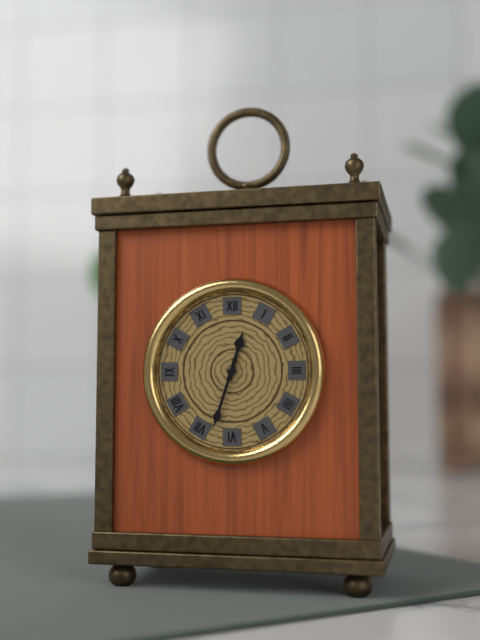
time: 12:33
